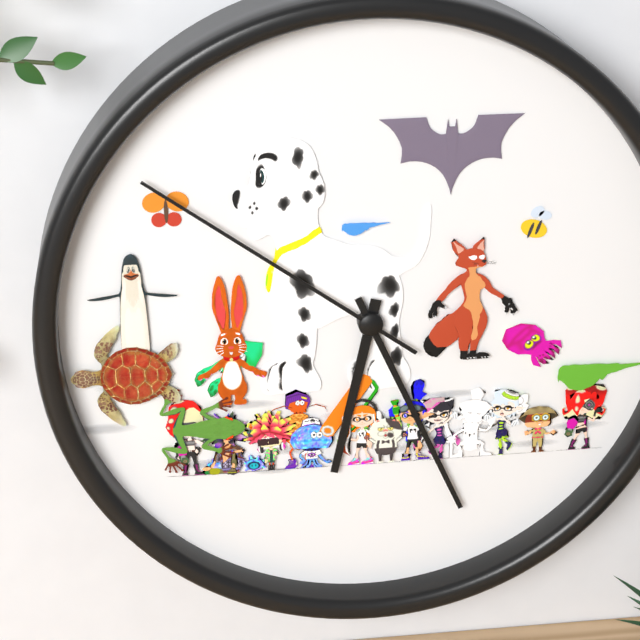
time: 6:26:51
